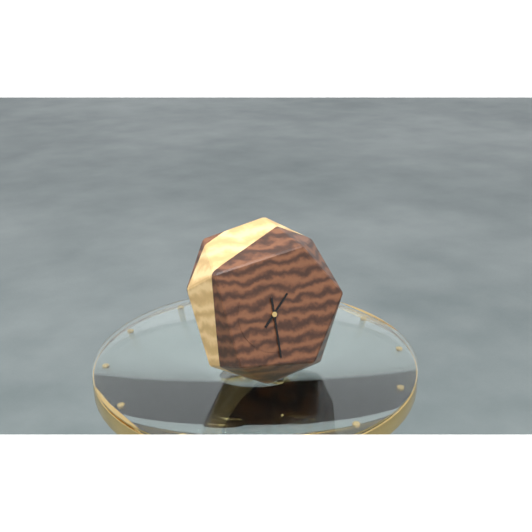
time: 1:30
